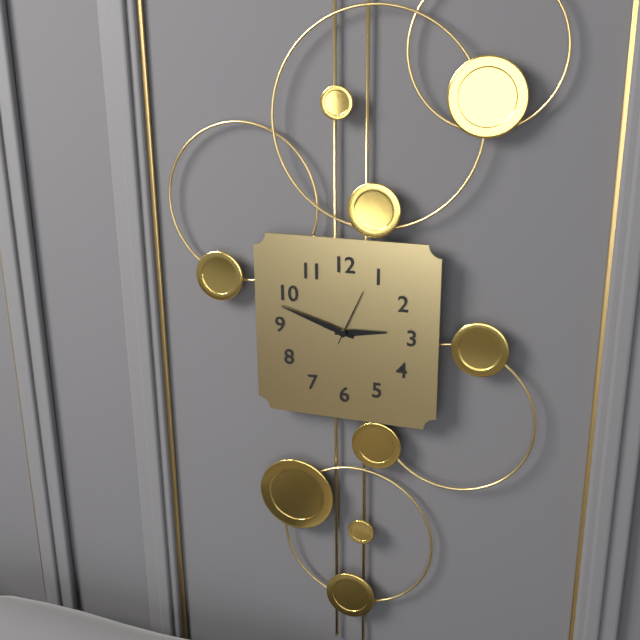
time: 2:48:04
